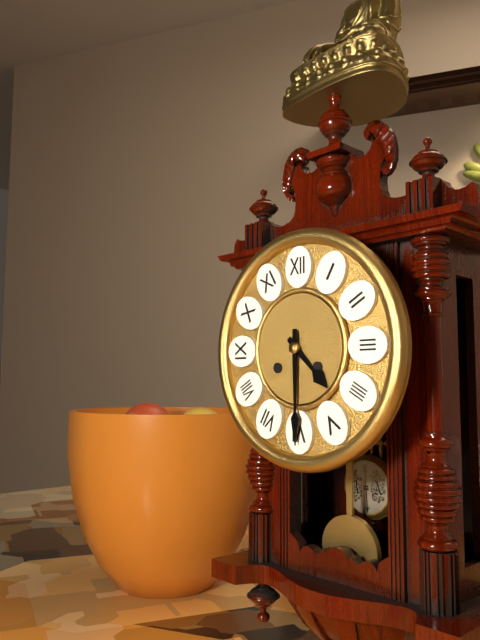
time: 4:30
